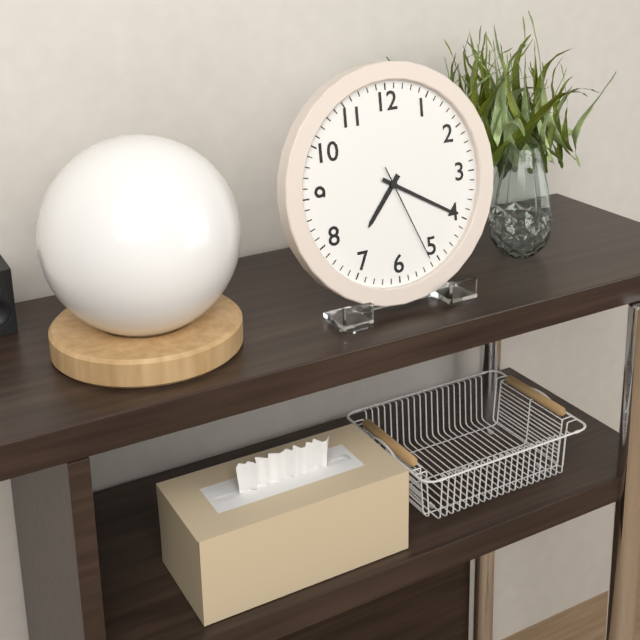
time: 7:20:26
